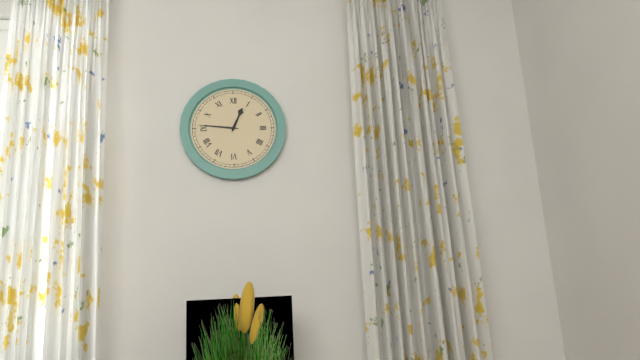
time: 12:46
